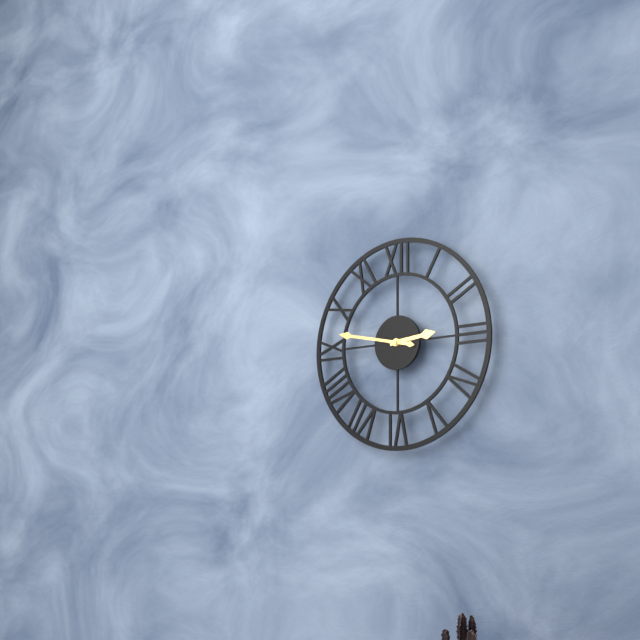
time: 2:47
